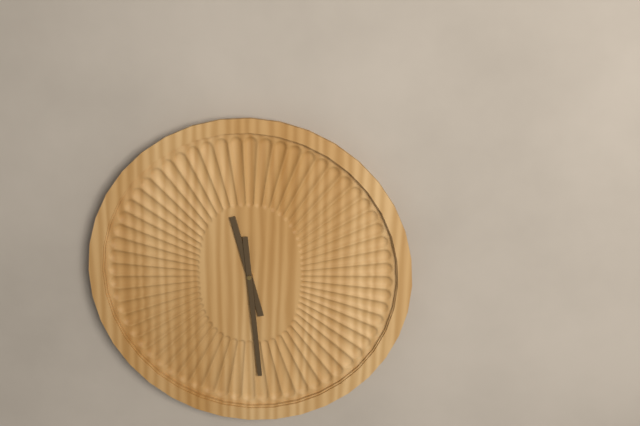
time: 11:29
